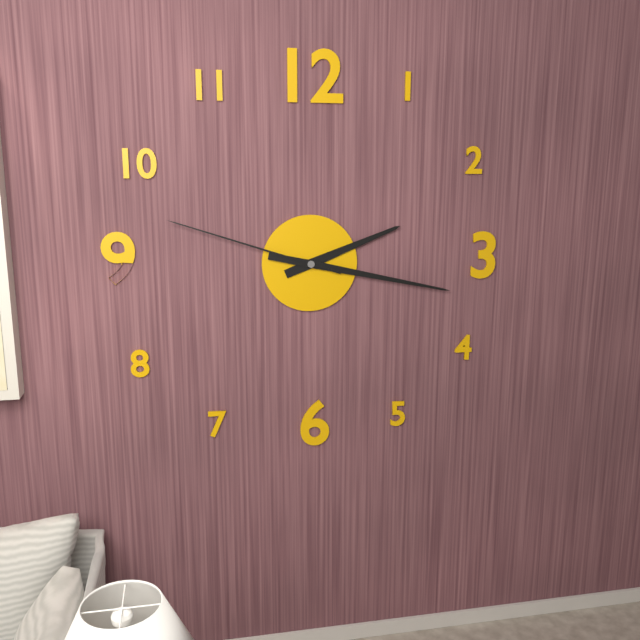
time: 2:17:48
